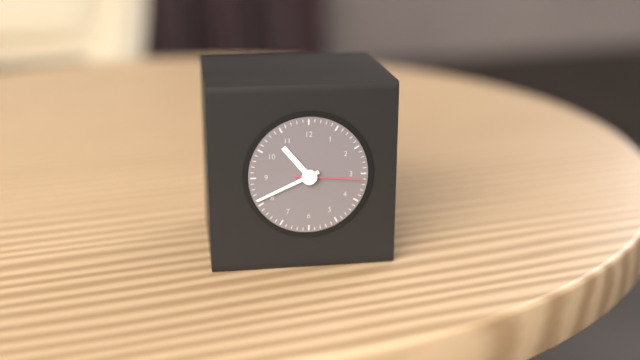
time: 10:41:16
